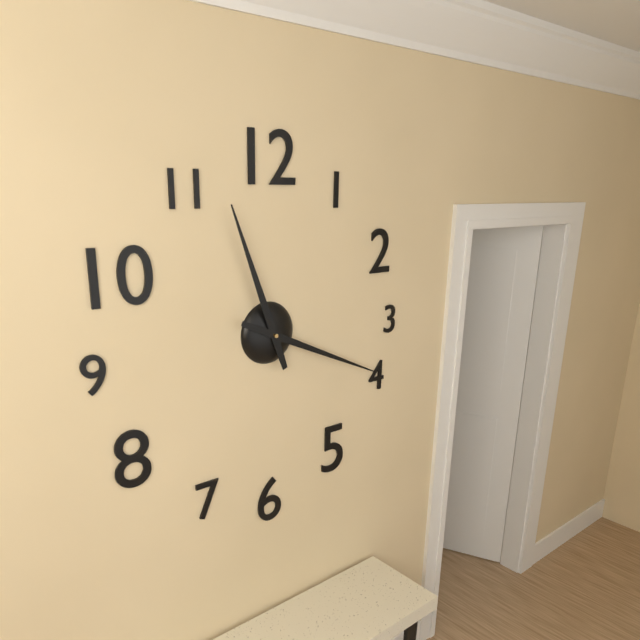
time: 11:19
